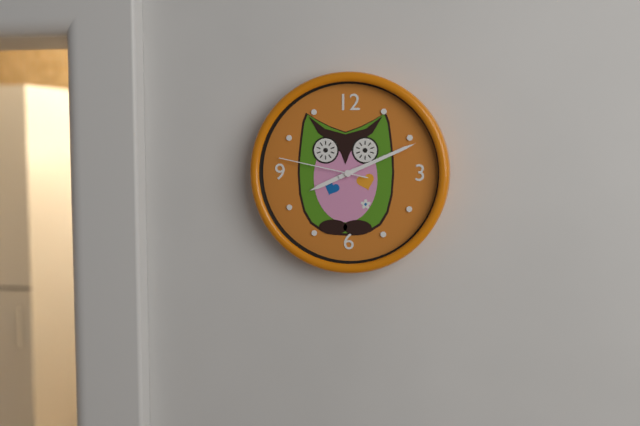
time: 8:11:47
